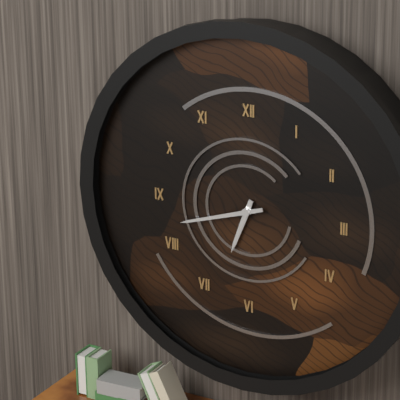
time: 6:42
